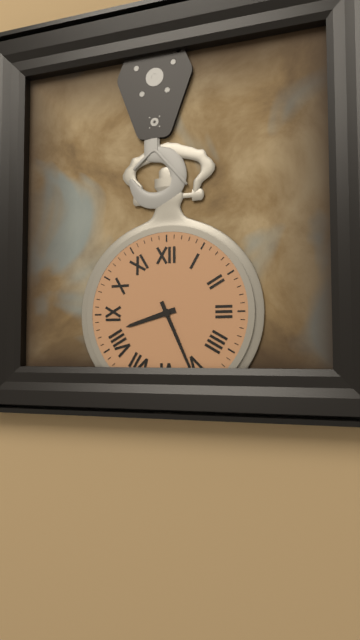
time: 8:26
